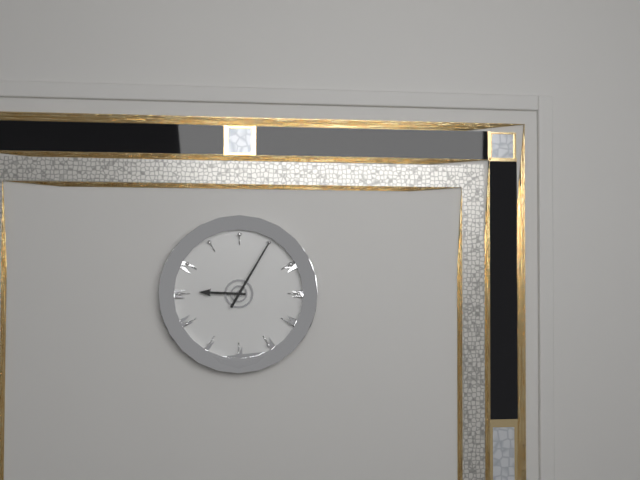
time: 9:05
